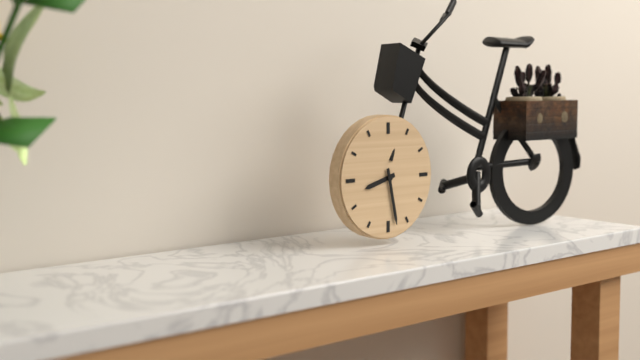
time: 8:28
